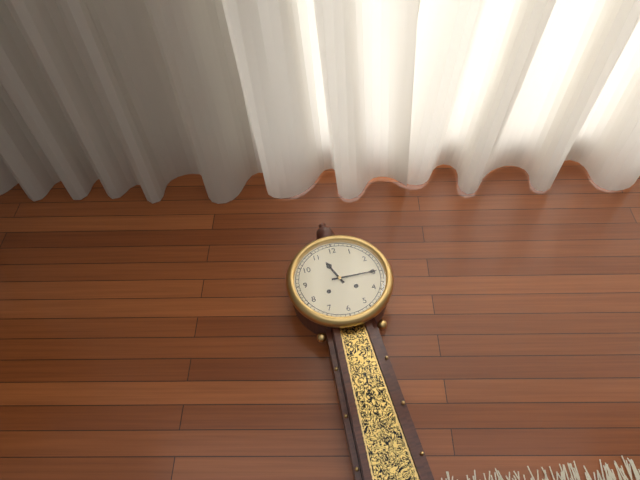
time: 11:15
